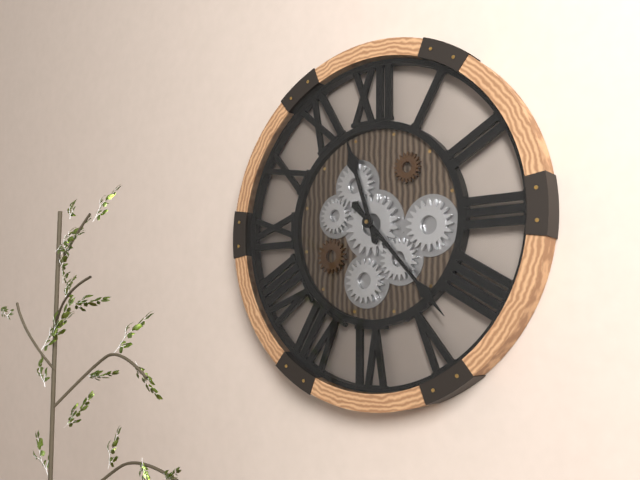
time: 11:23
